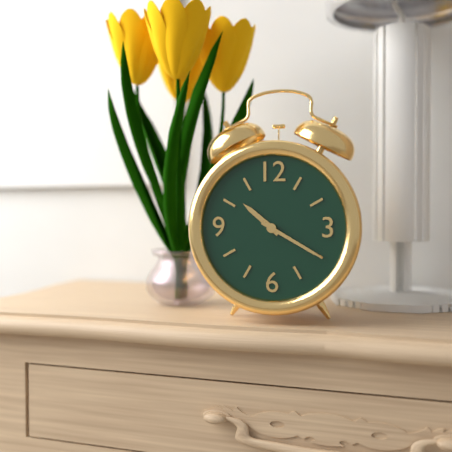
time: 10:20
